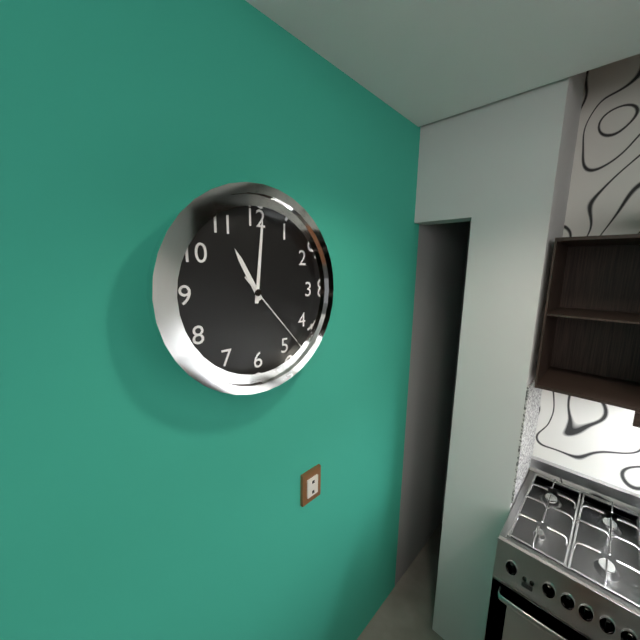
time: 11:01:23
